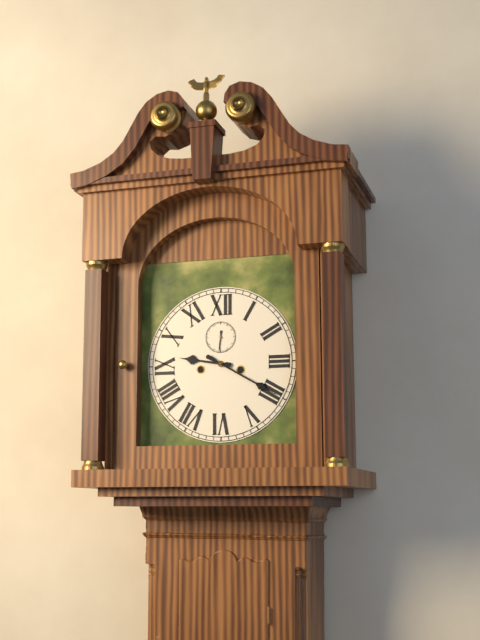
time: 9:20
